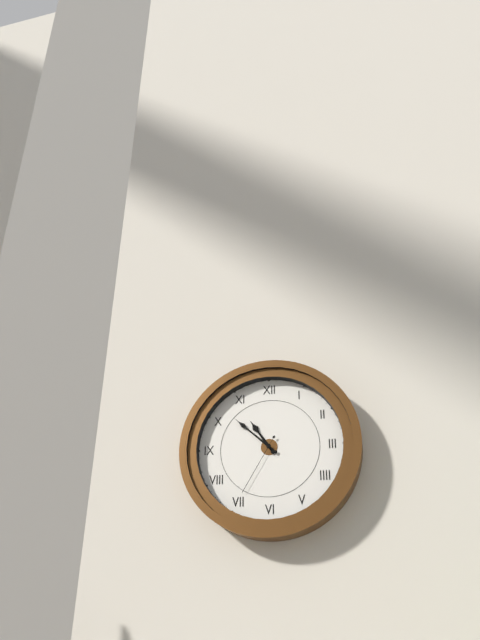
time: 10:52:35
